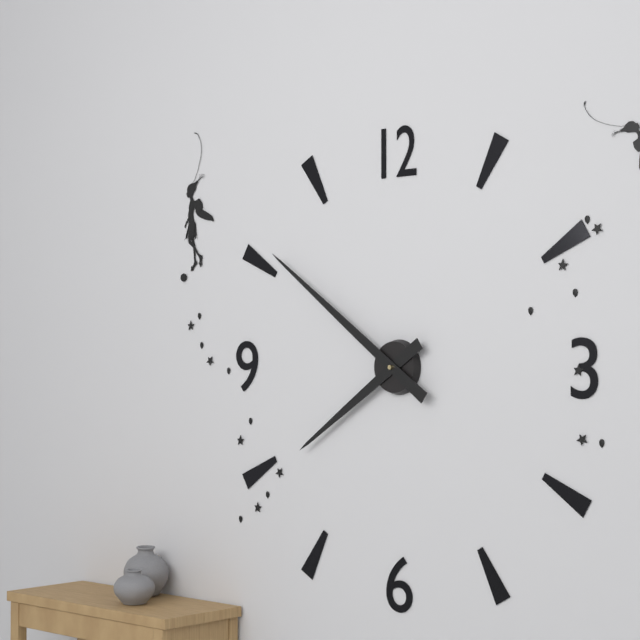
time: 7:51
